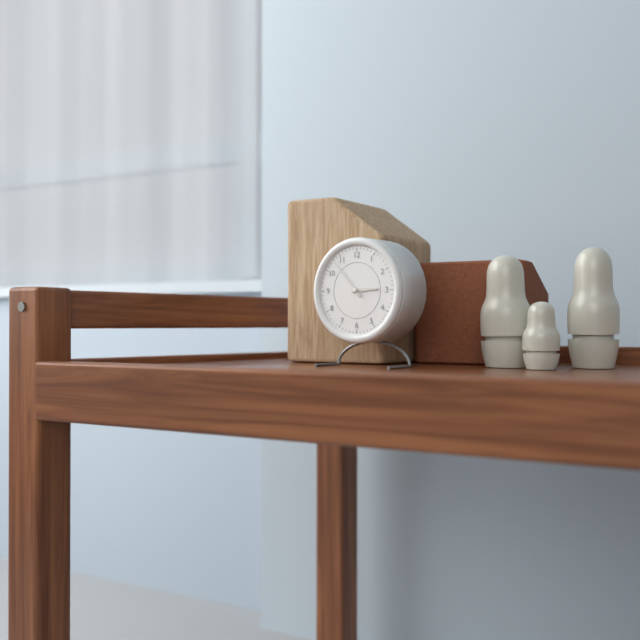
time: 2:53
